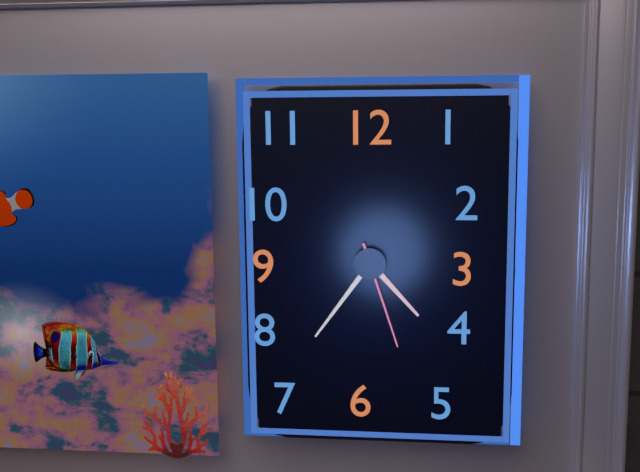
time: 4:36:27
